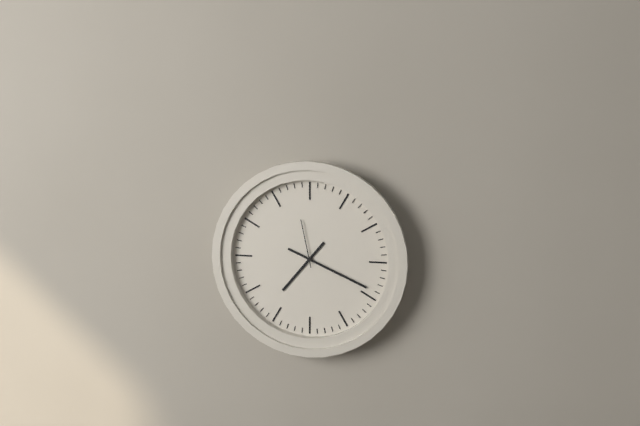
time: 7:19:58
